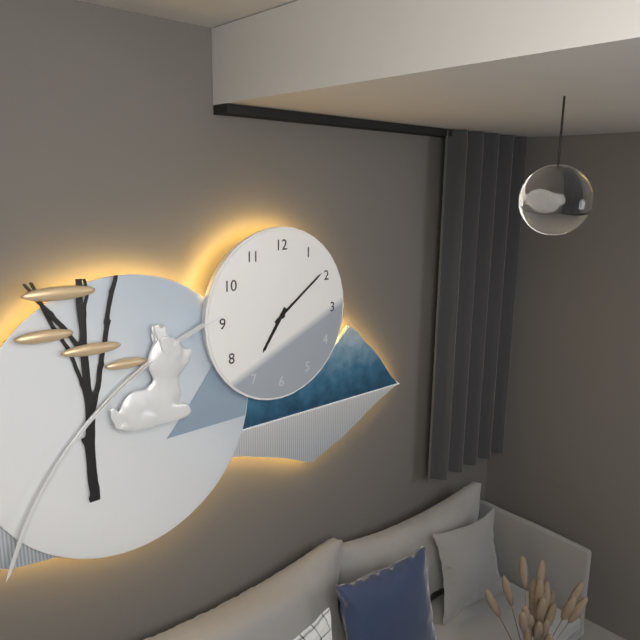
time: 7:09
